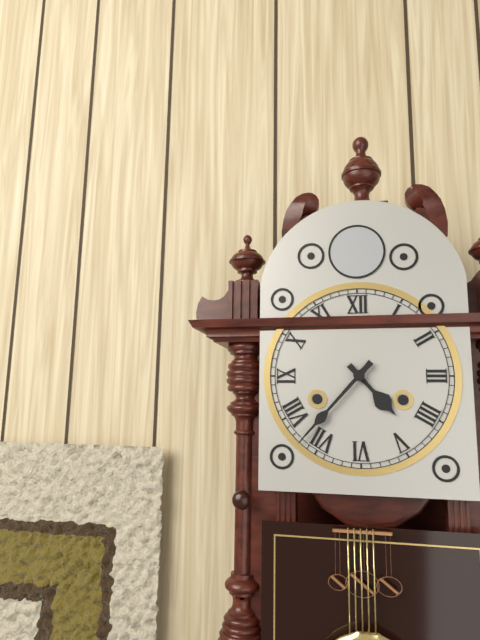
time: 4:37
